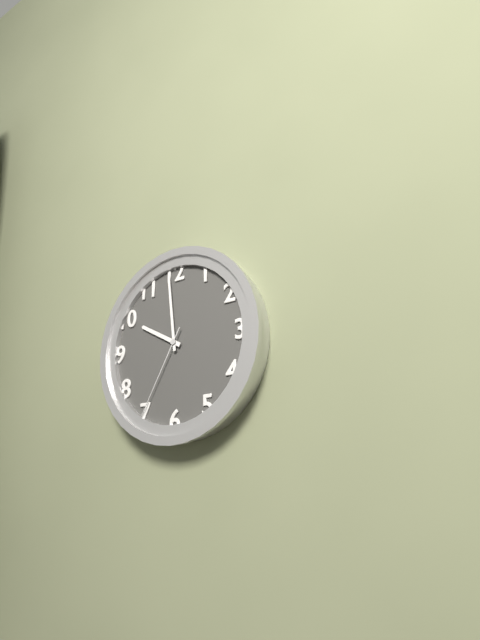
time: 9:59:35
